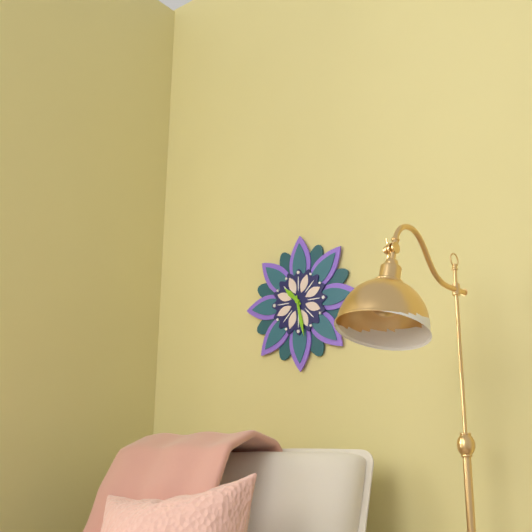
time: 10:28
